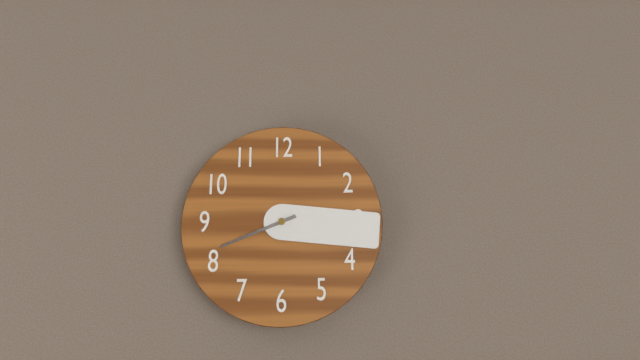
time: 8:16
